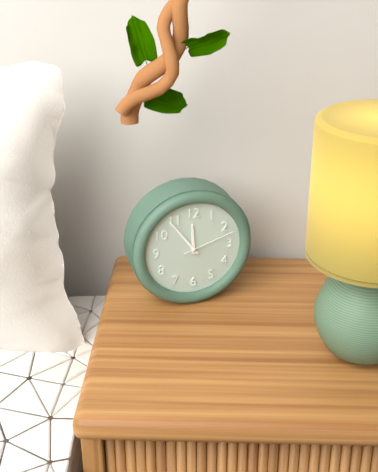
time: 11:54:12
